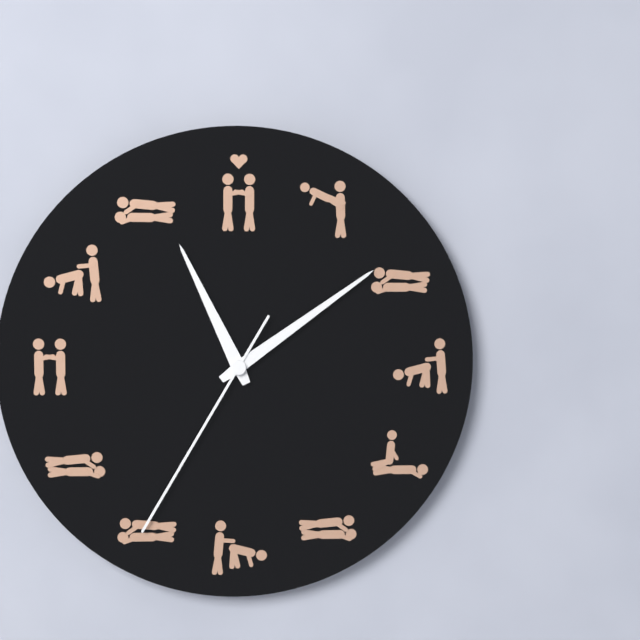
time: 11:09:35
